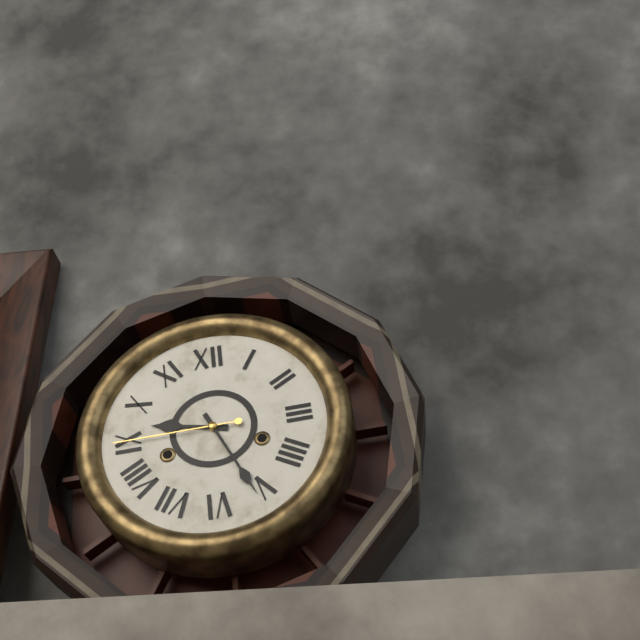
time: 9:26:45
